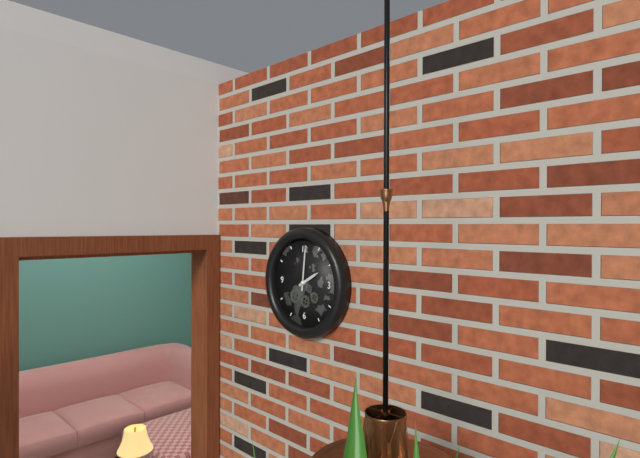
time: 2:01
